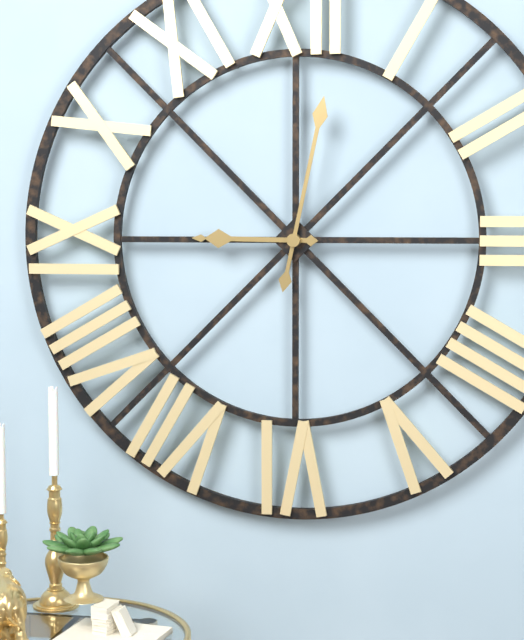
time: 9:02
